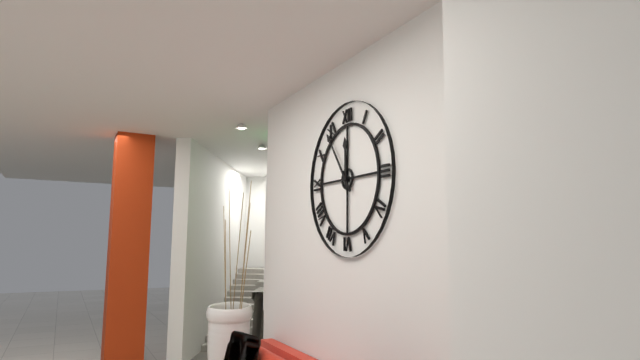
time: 11:54
